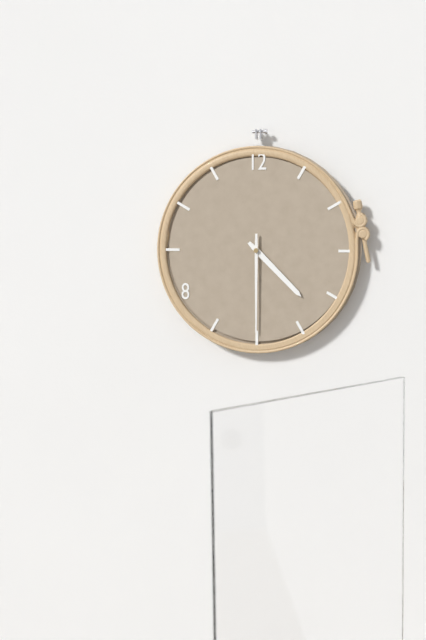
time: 4:30
